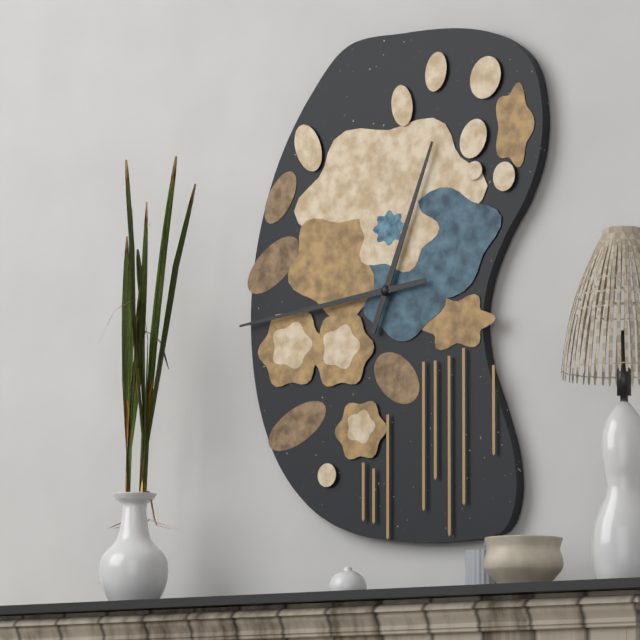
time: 12:44
